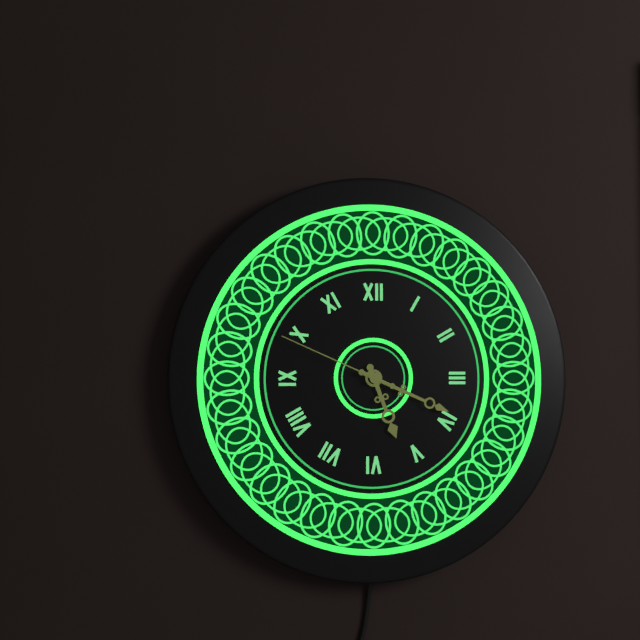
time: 5:19:49
